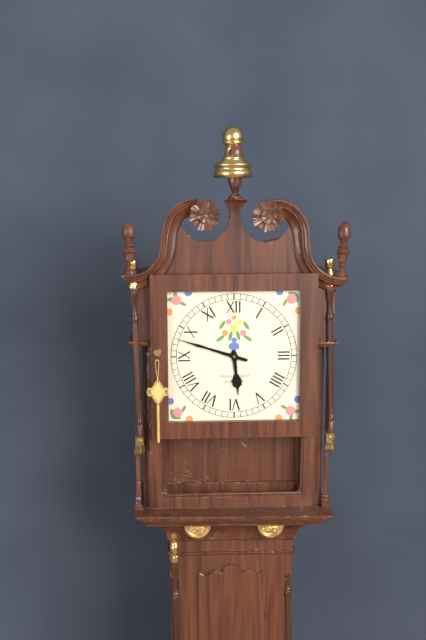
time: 5:48
